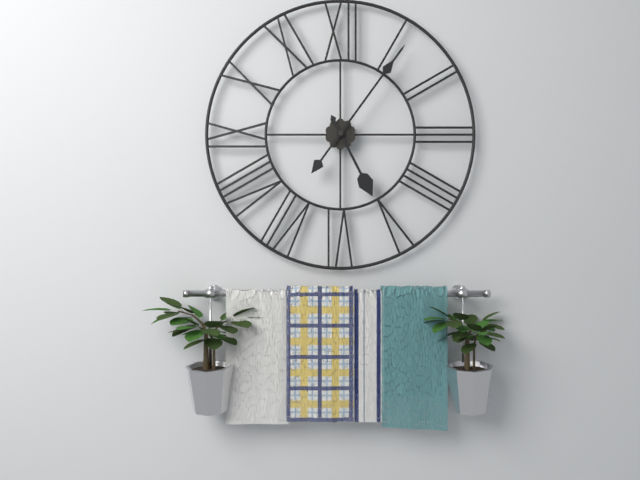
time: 5:06
